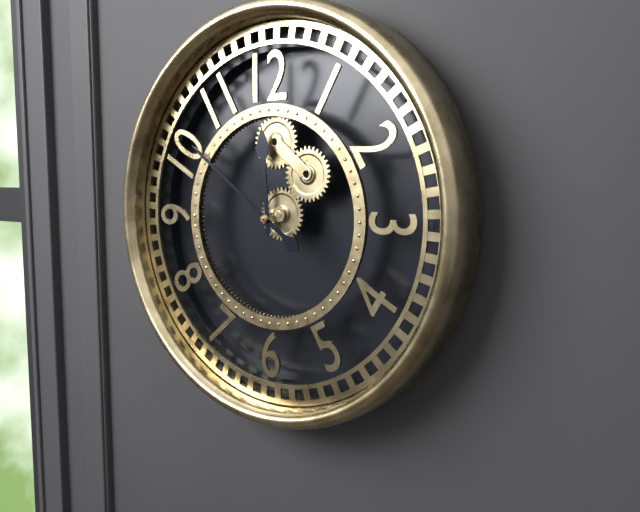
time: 11:51
